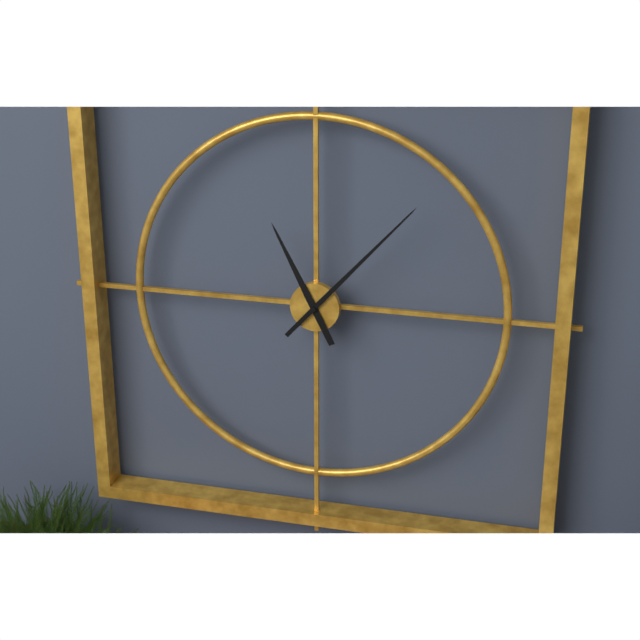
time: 11:07
